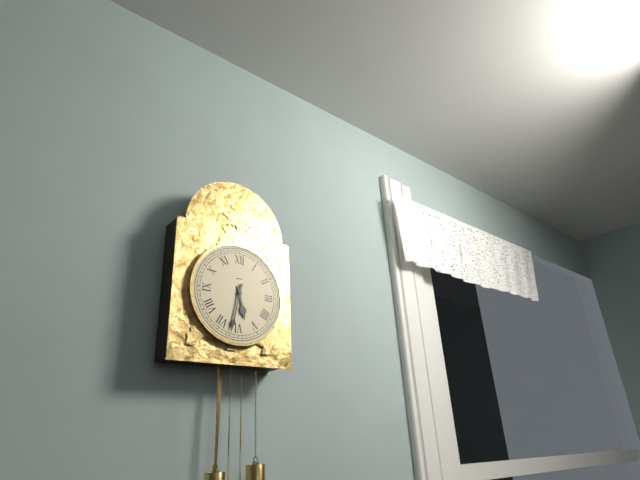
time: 5:32
